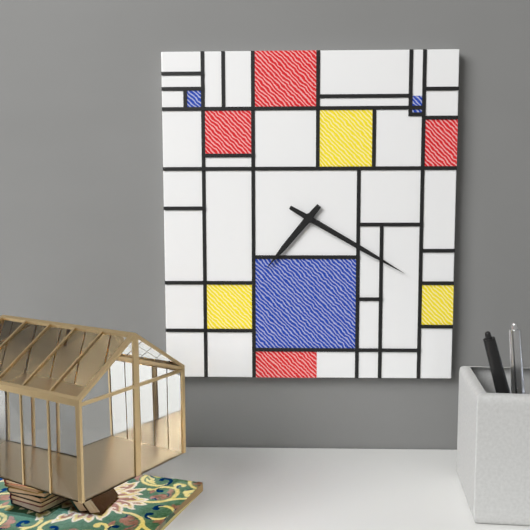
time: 7:20
